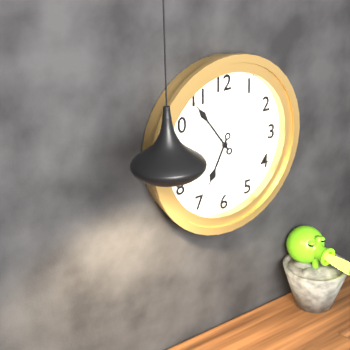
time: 6:54
